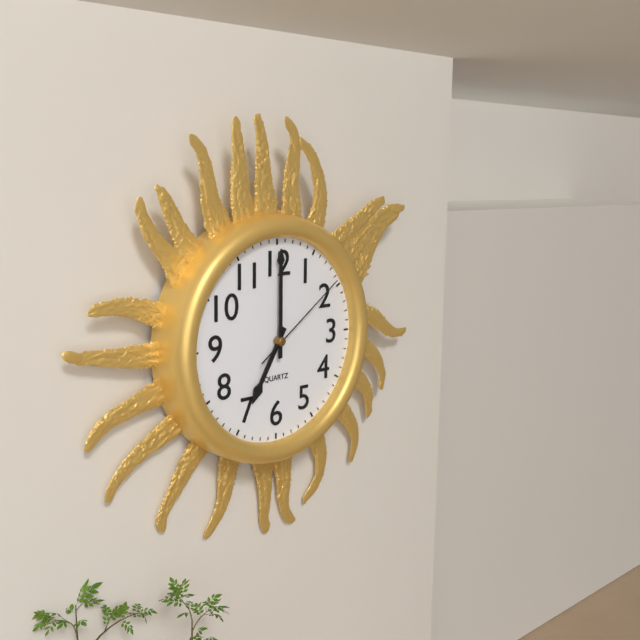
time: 7:00:09
